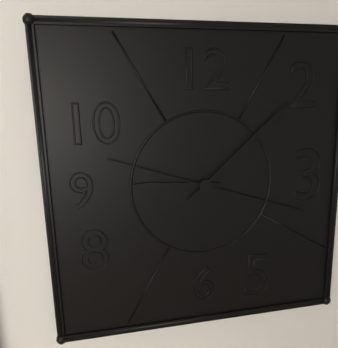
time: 9:08:18
